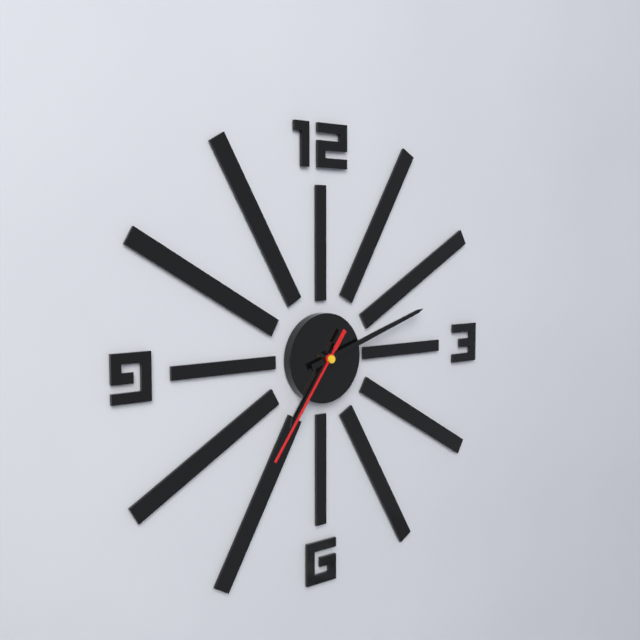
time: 7:12:36
